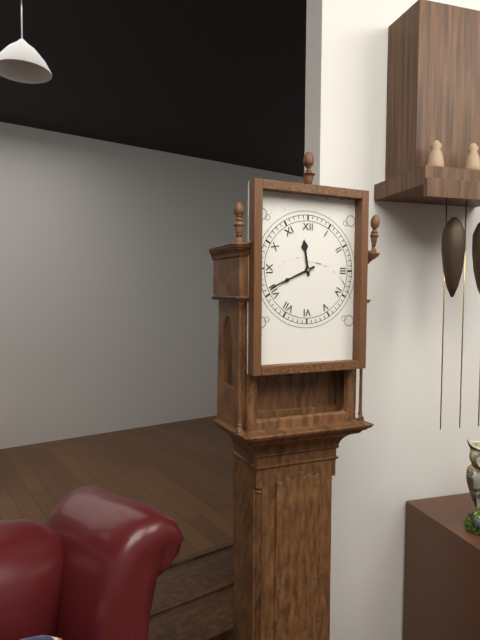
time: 11:41
